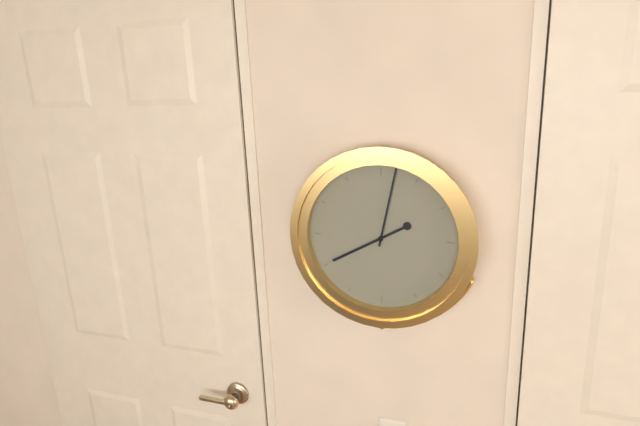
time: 8:02
